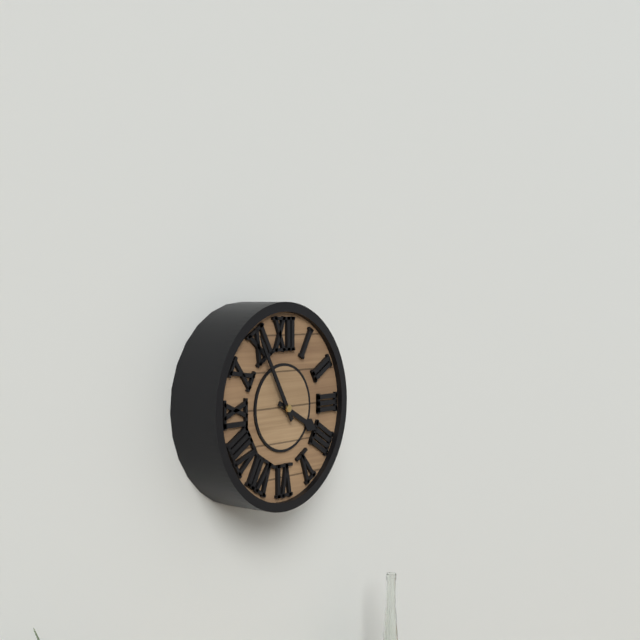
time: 3:55
